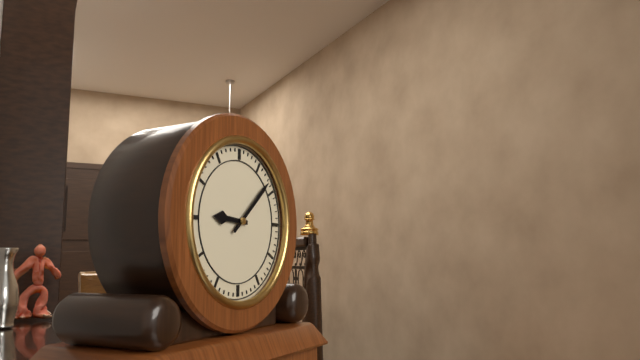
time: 9:08
